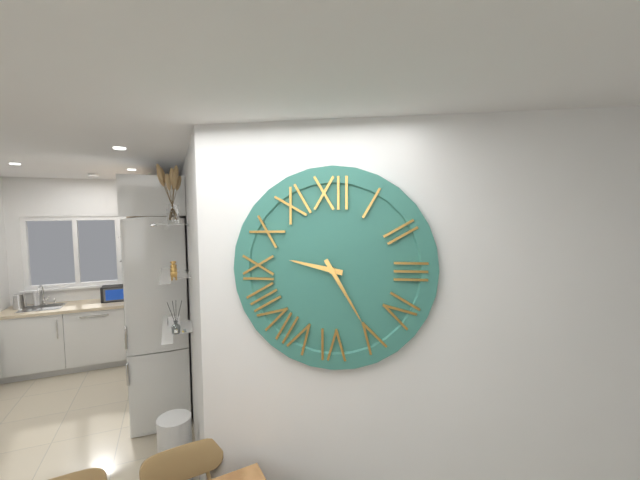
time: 9:25
